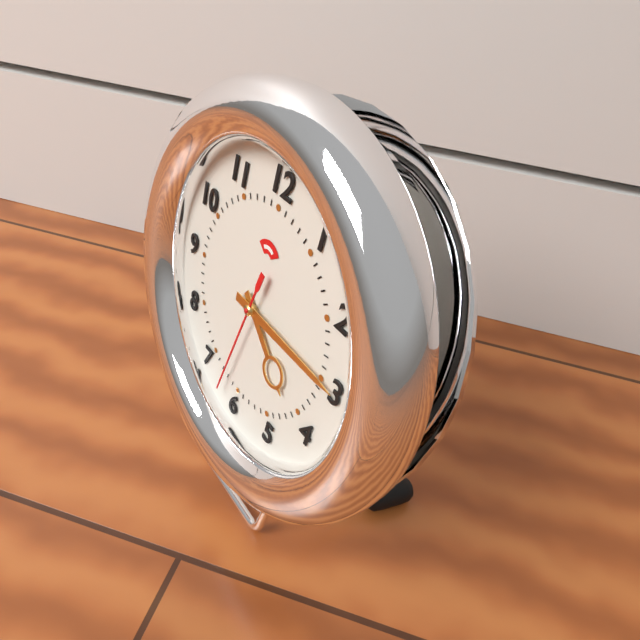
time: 4:15:32
